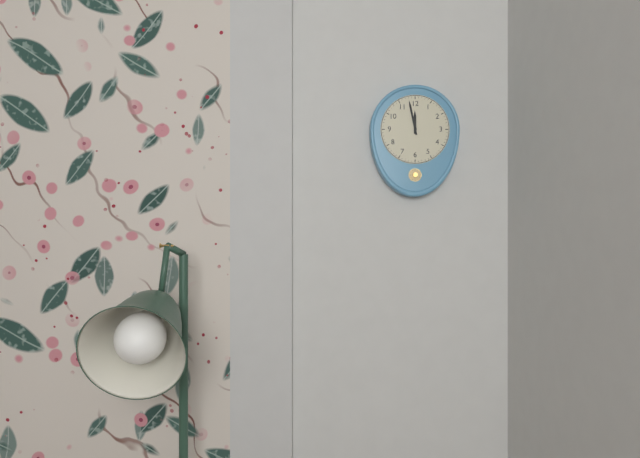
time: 11:58
